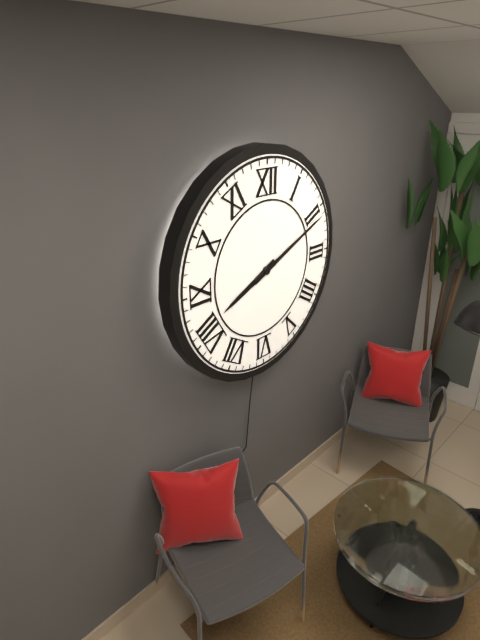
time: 8:11
